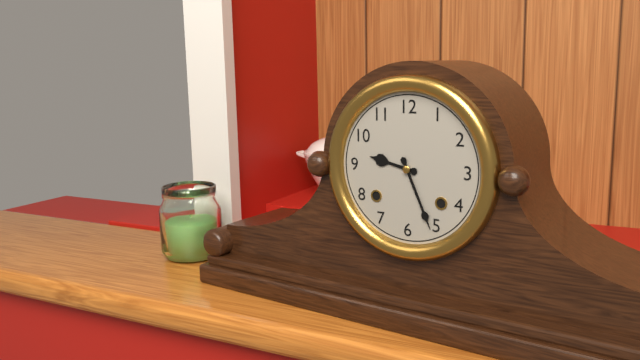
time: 9:26
